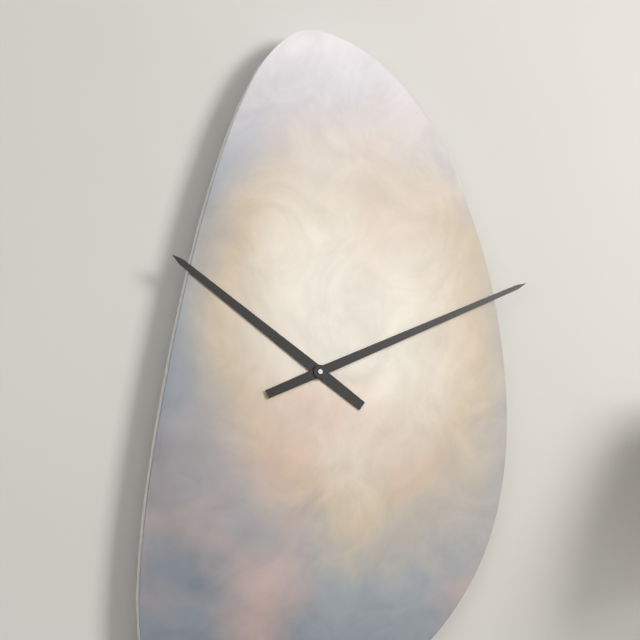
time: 10:11
